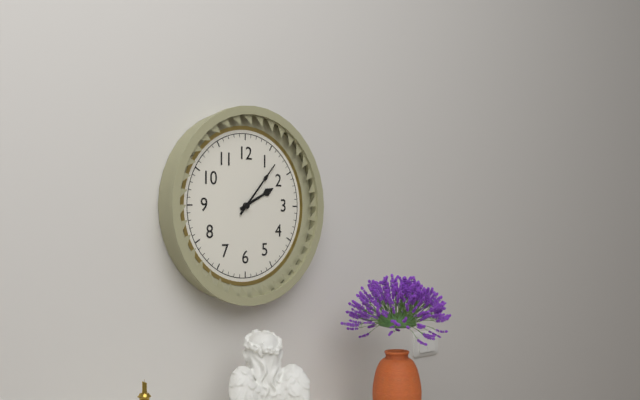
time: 2:07
